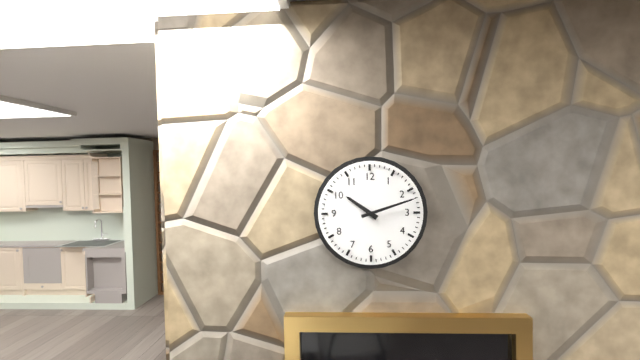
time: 10:12
